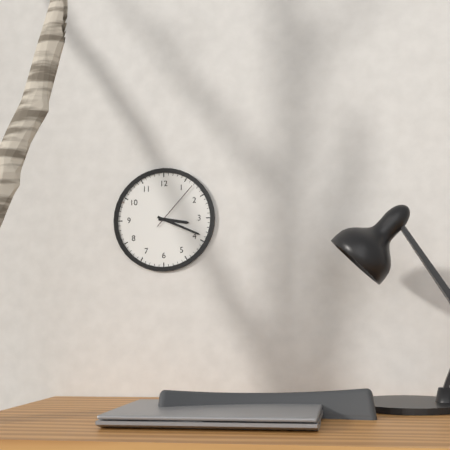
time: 3:19:07
